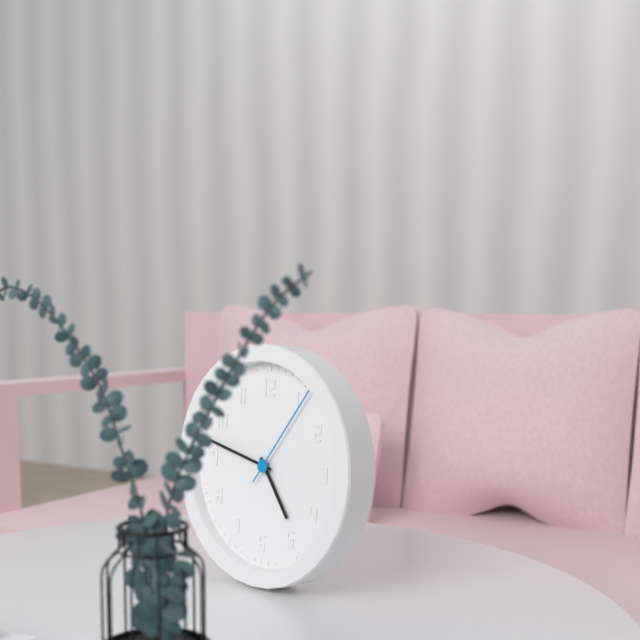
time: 4:47:06
